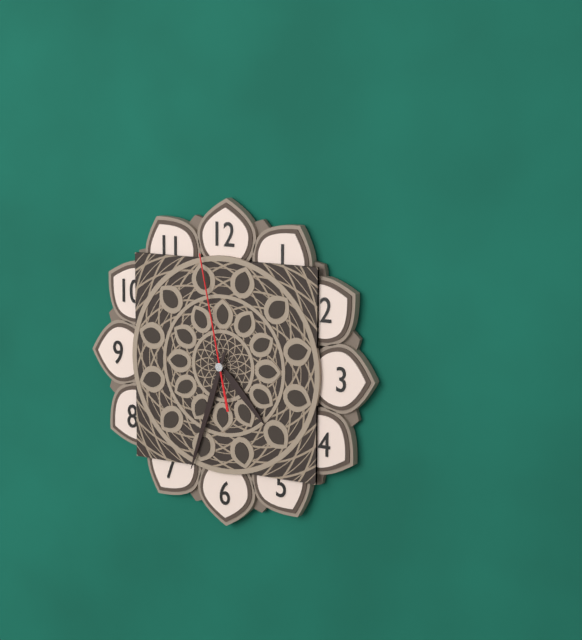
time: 4:33:58
